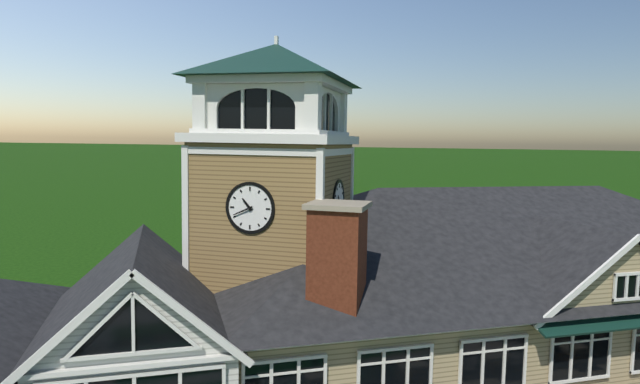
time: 10:41
